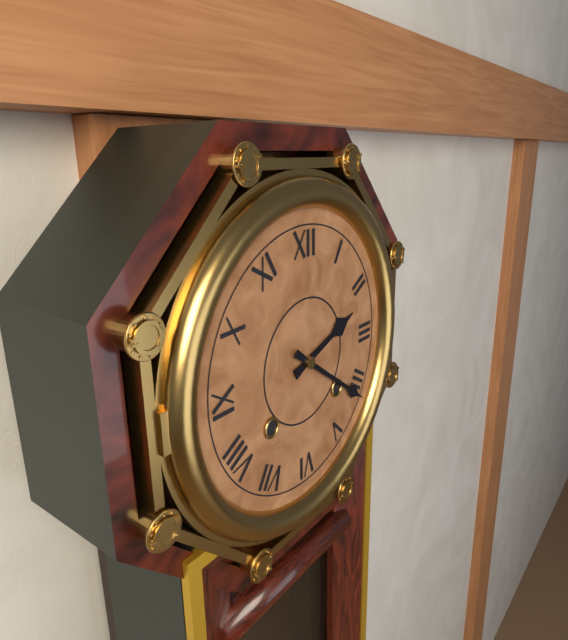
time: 2:21
